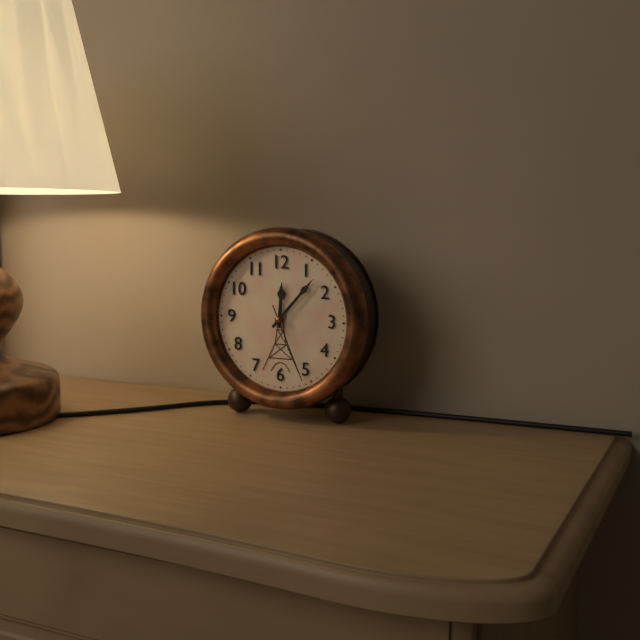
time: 12:07:26
